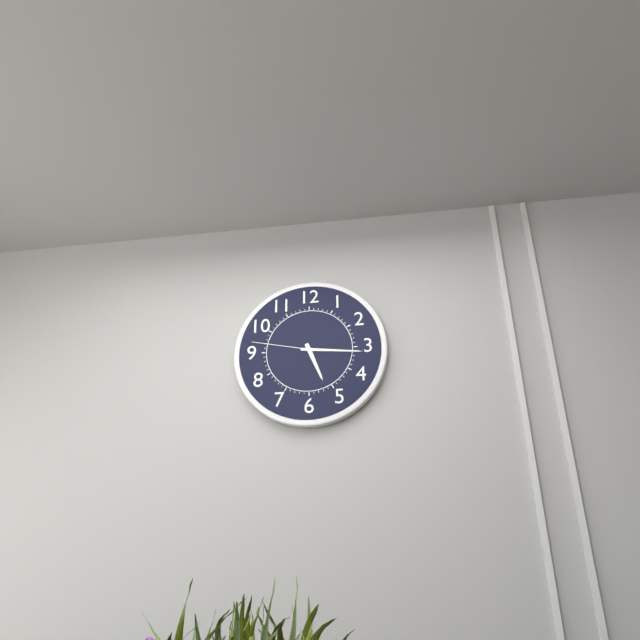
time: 5:16:47
